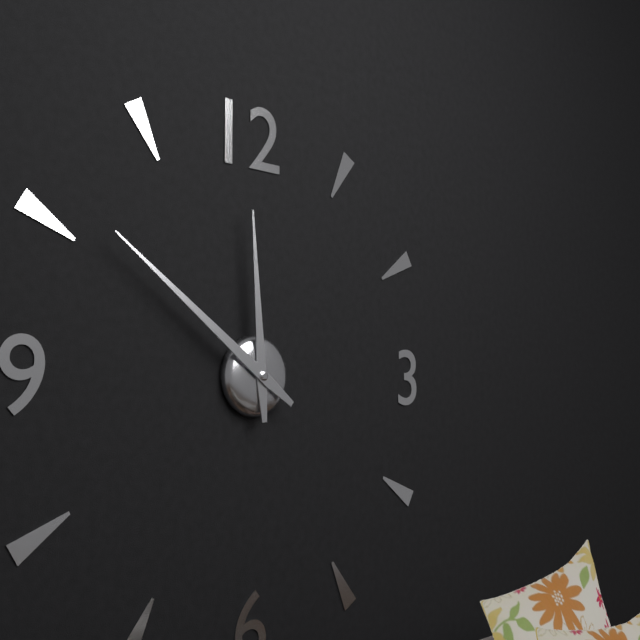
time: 11:51
